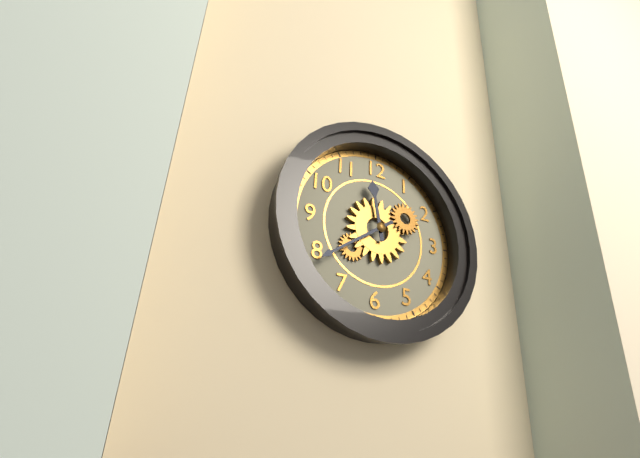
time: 11:39
